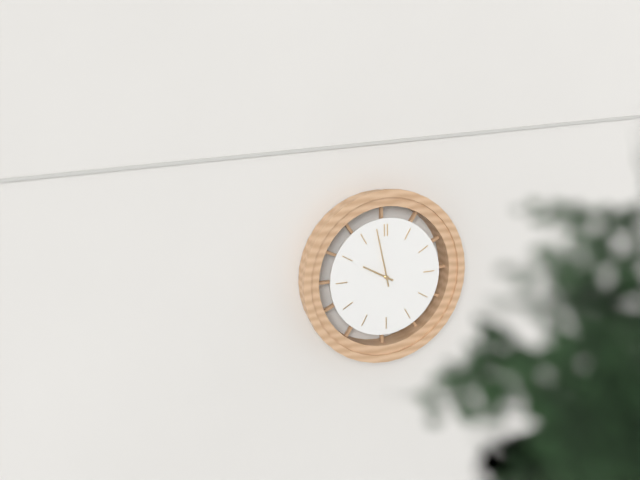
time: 9:58
